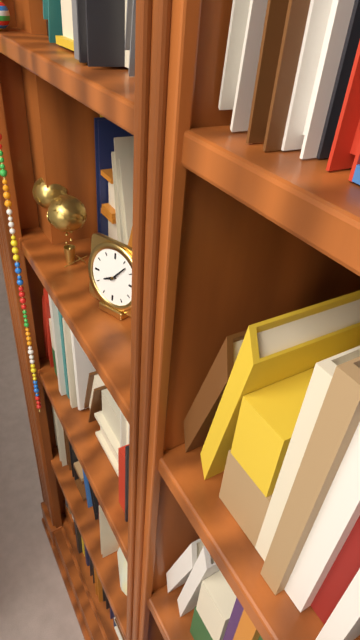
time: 8:07
